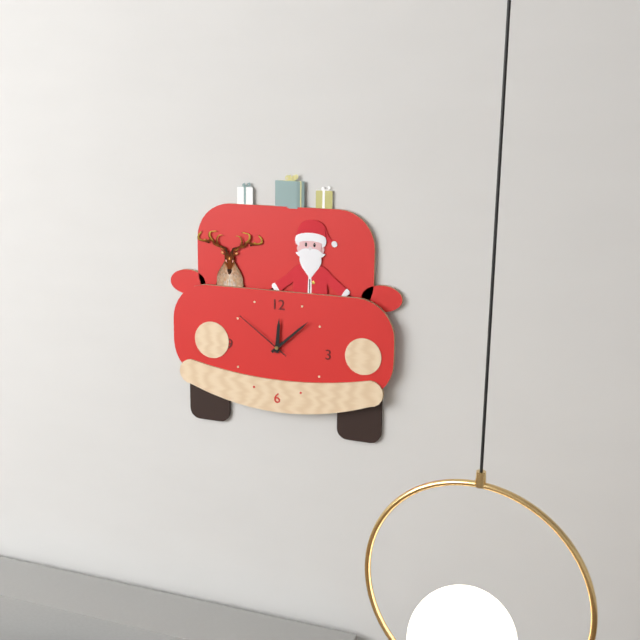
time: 12:08:51
